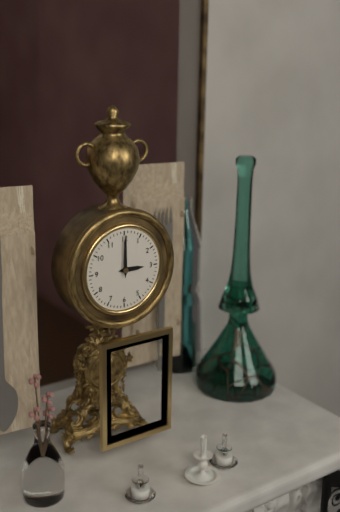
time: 3:00
